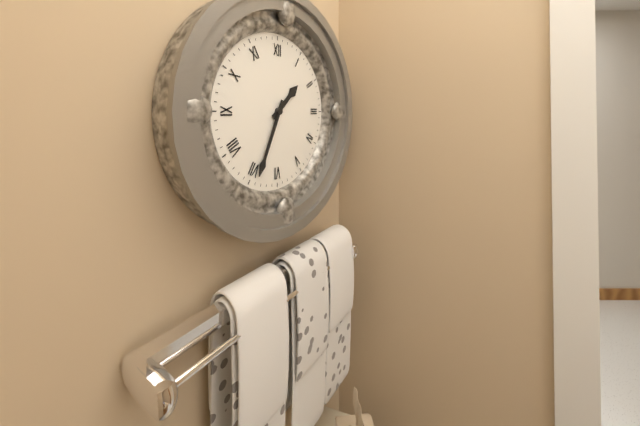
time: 1:34
